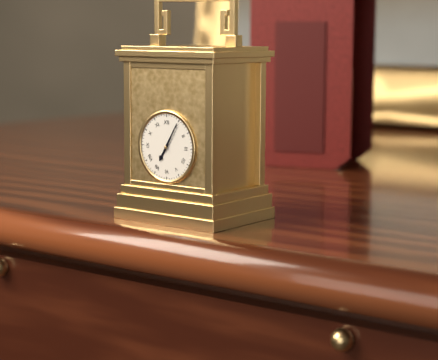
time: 7:05
